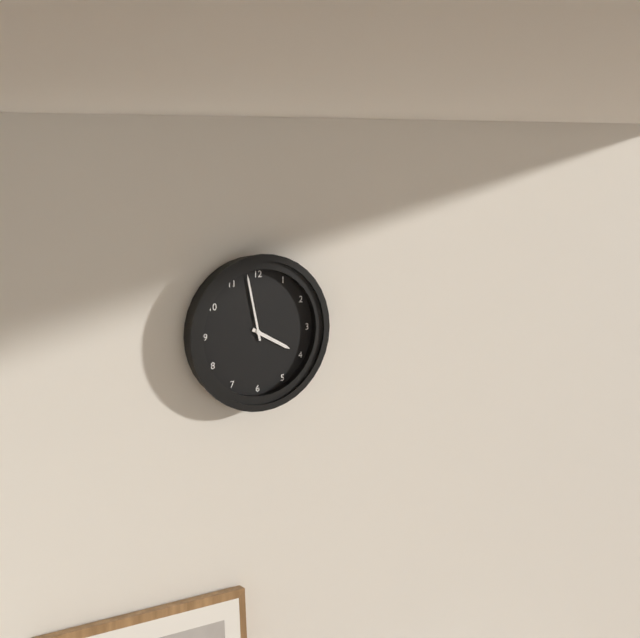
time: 3:58
